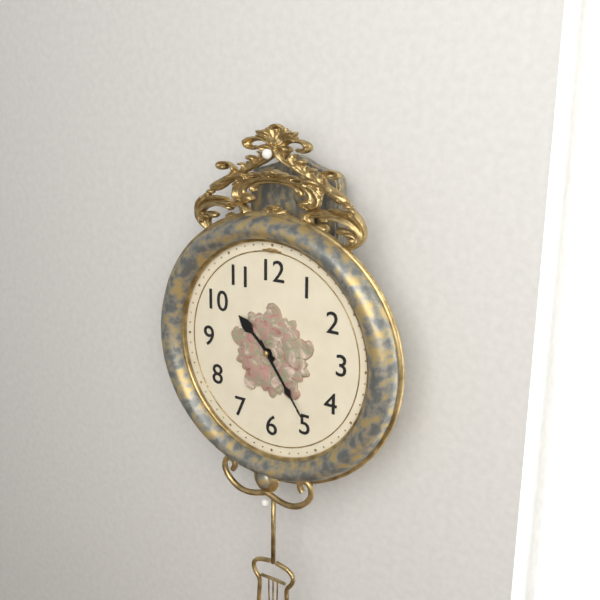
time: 10:24
